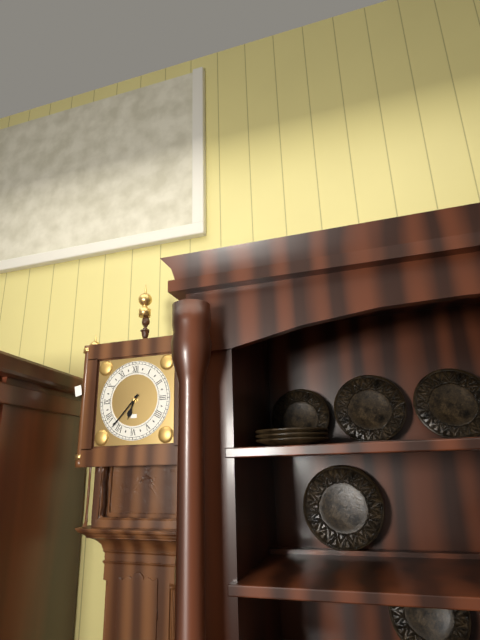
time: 6:37
